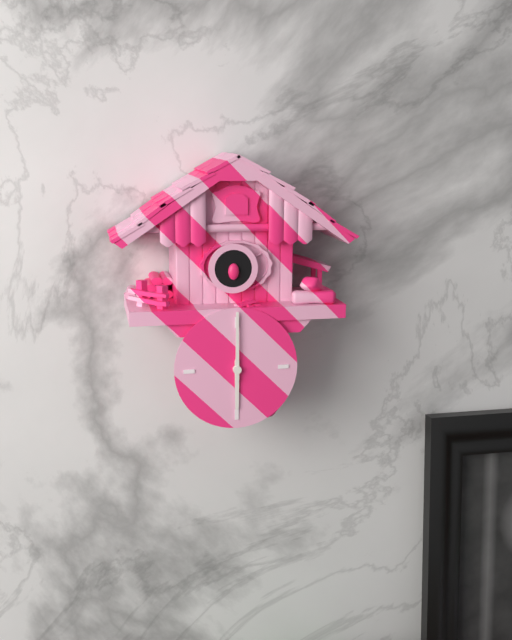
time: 6:00
